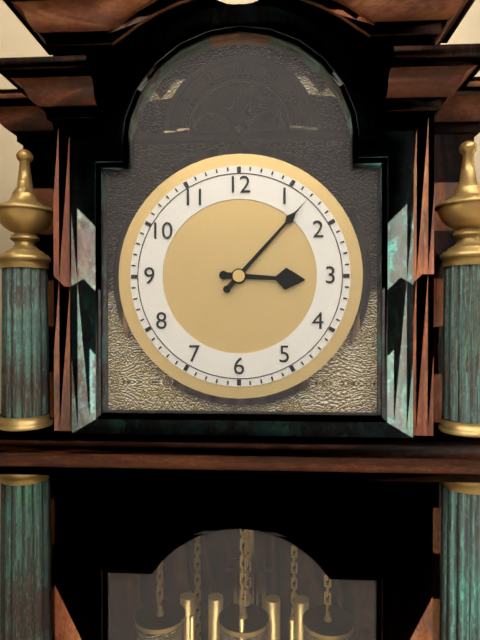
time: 3:07
